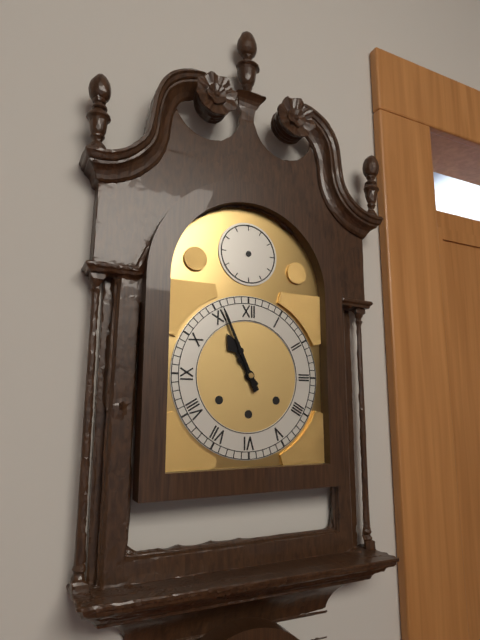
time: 10:56
